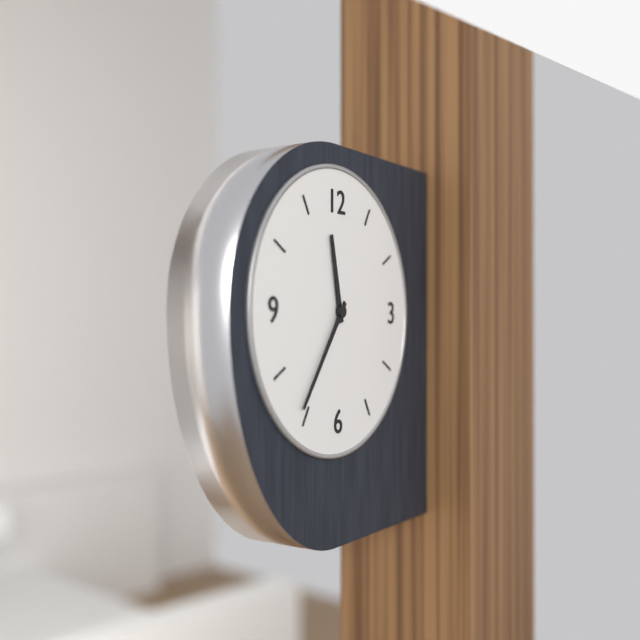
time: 11:36
